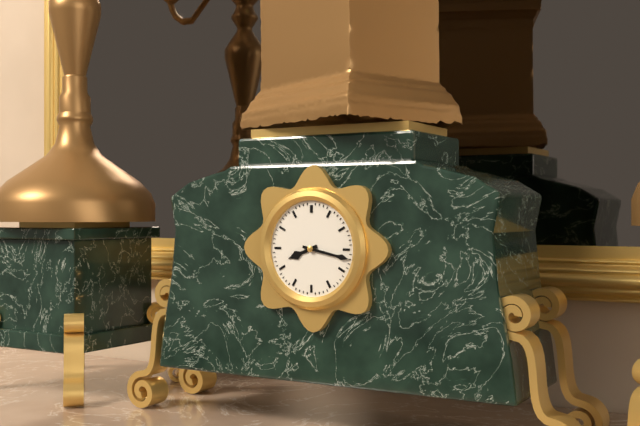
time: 8:17
